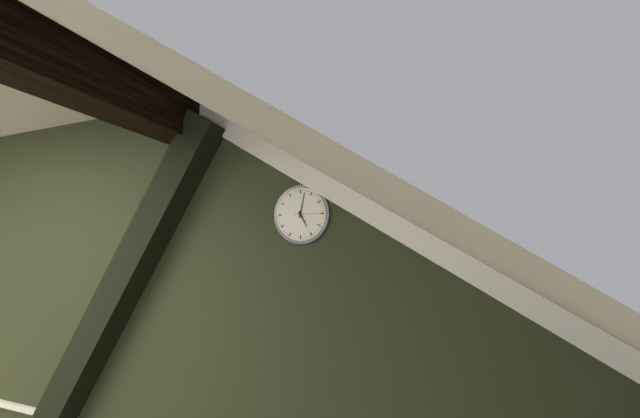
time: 5:02
